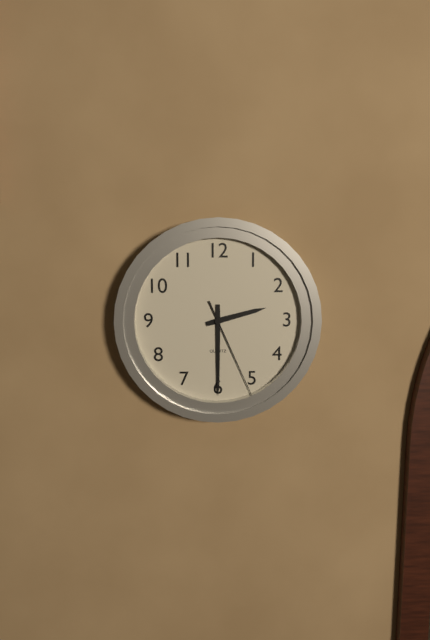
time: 2:30:26
